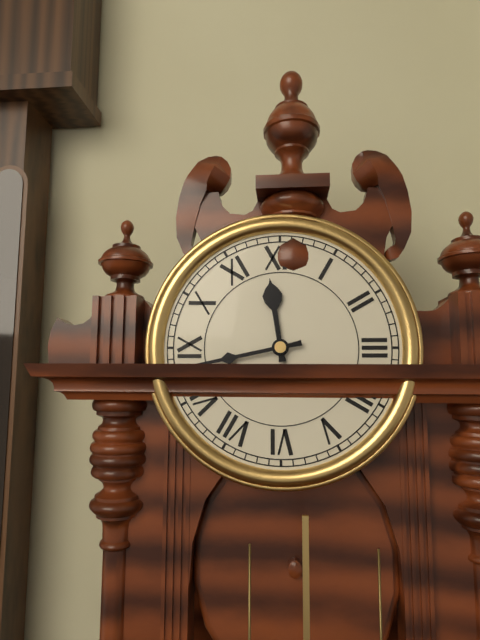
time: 11:43
